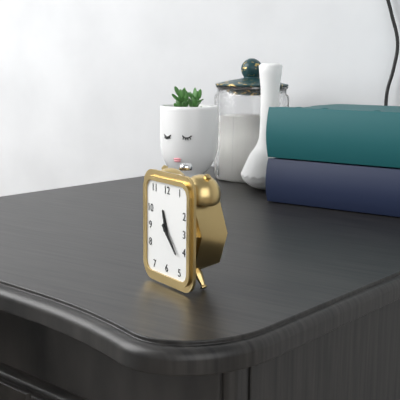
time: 11:23
